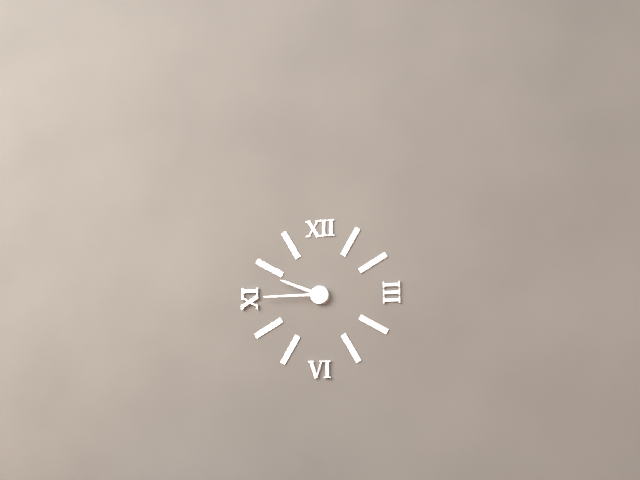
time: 9:45
